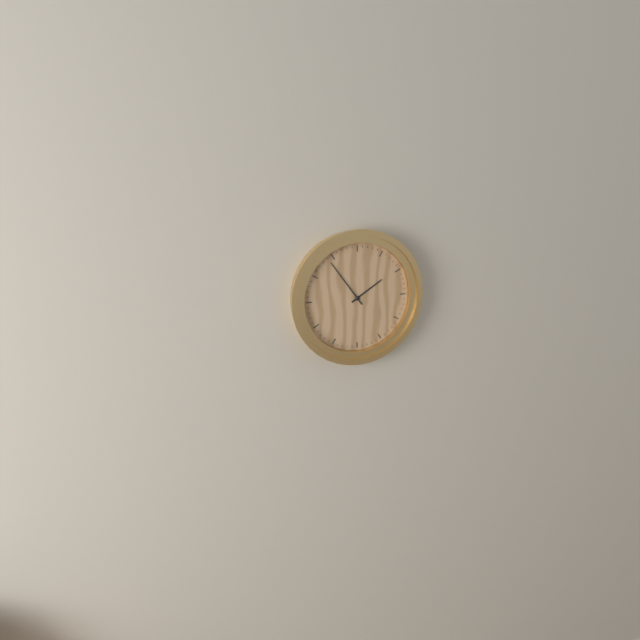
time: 1:54
